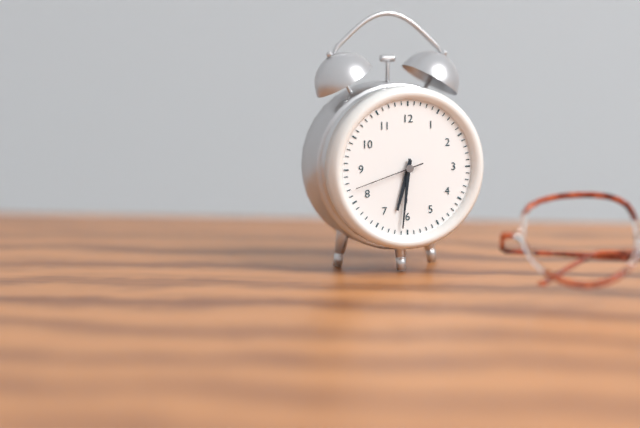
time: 6:31:42
